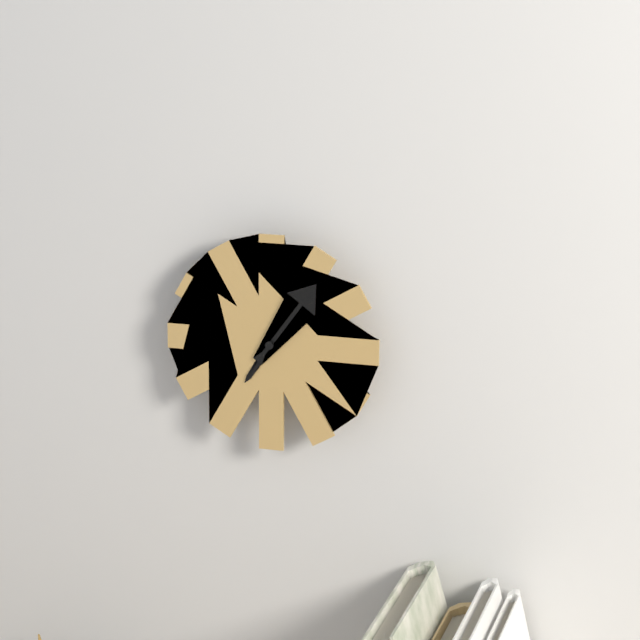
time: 7:06
